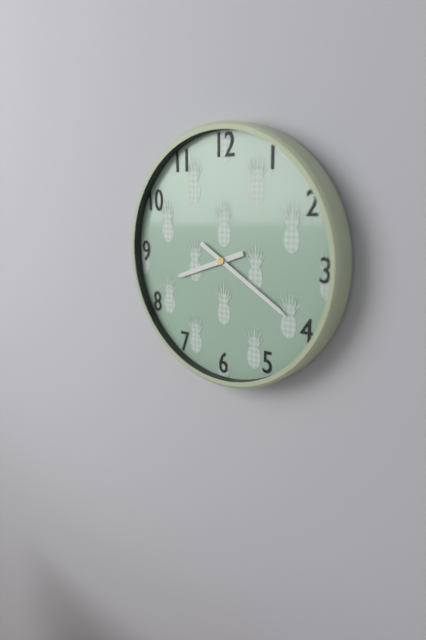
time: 8:20
